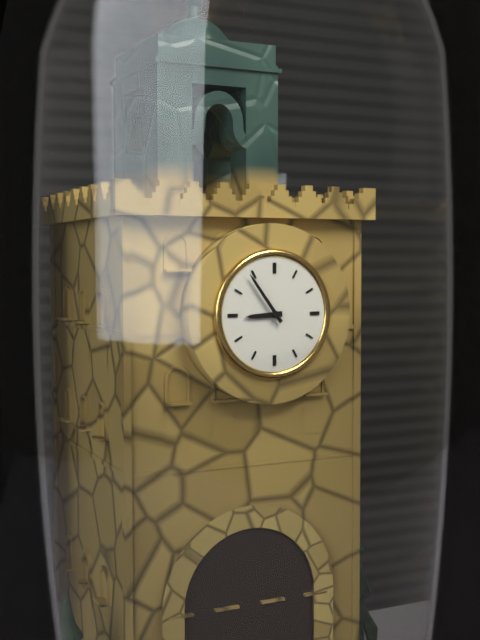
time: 8:54
